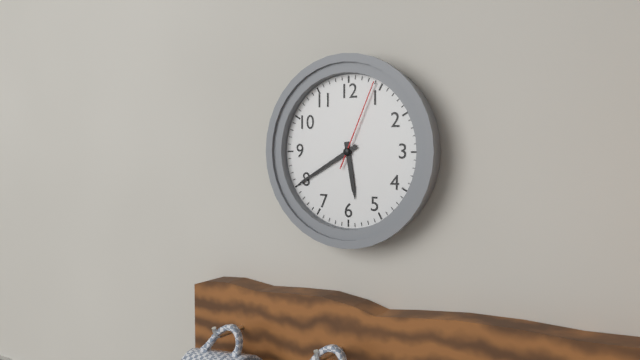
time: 5:40:04
